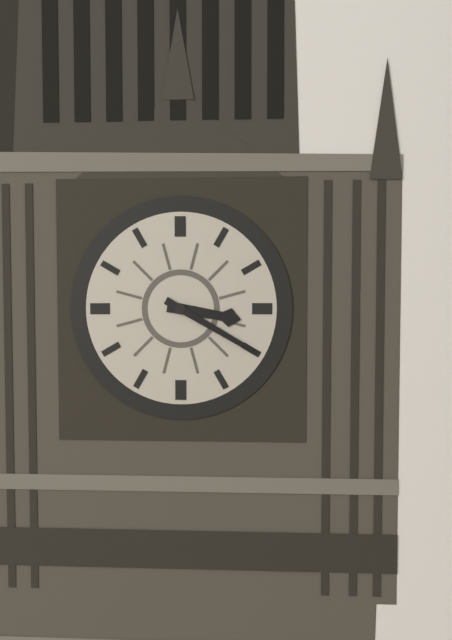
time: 3:20
